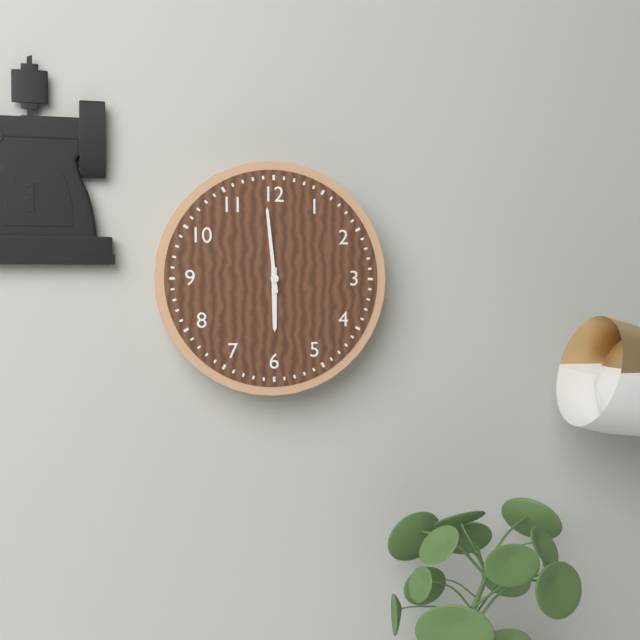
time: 5:59
